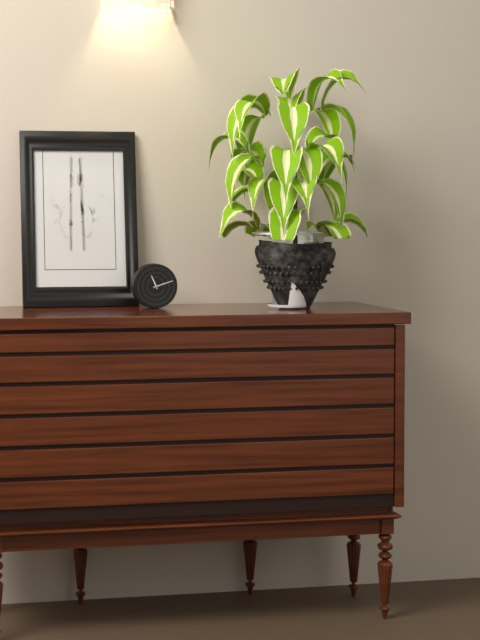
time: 11:12
